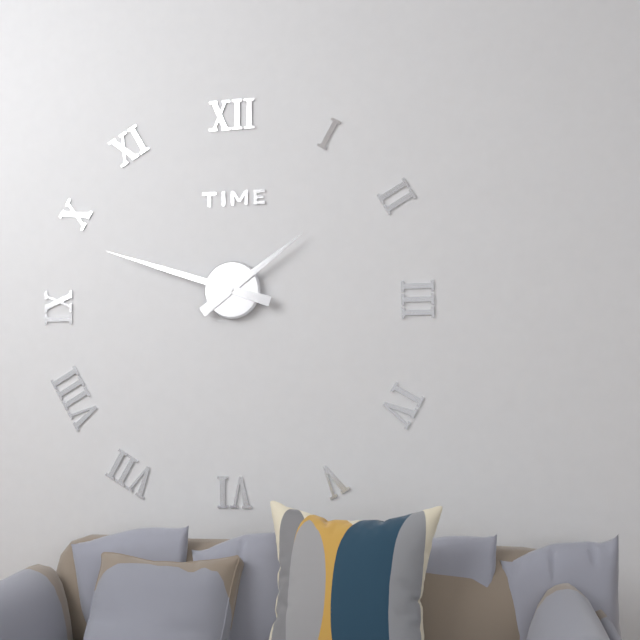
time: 1:48
